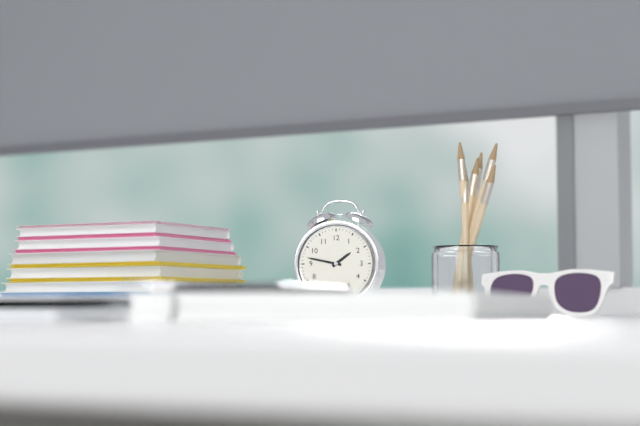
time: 1:47
